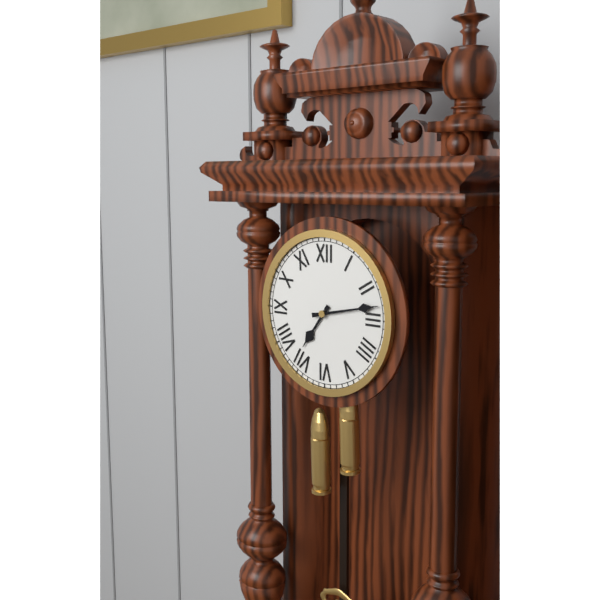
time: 7:13
